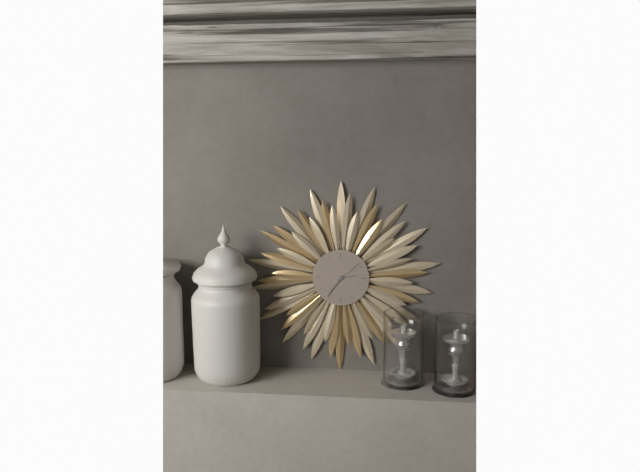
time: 2:36
